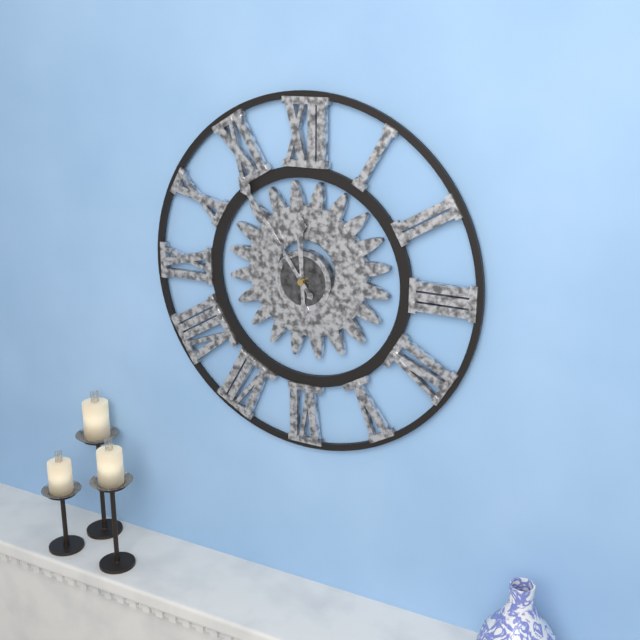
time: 11:54
